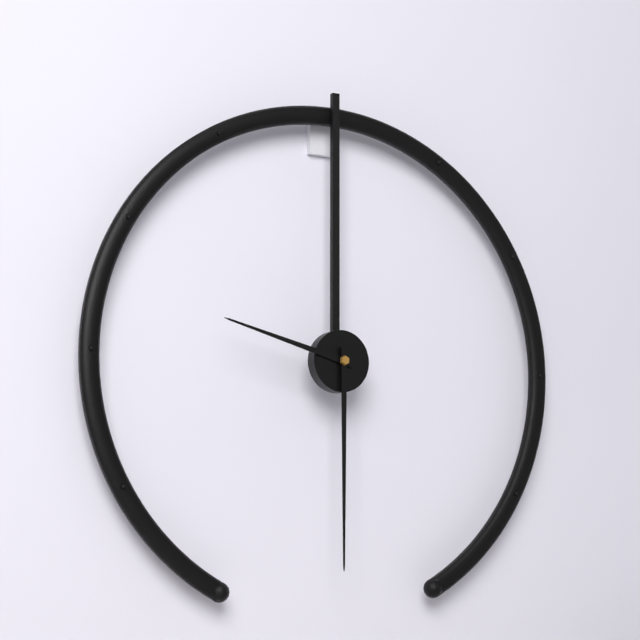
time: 9:30
